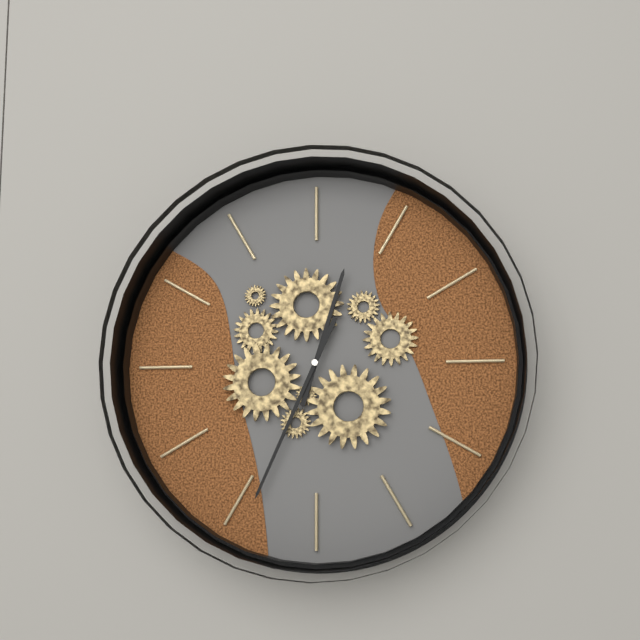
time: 12:34
